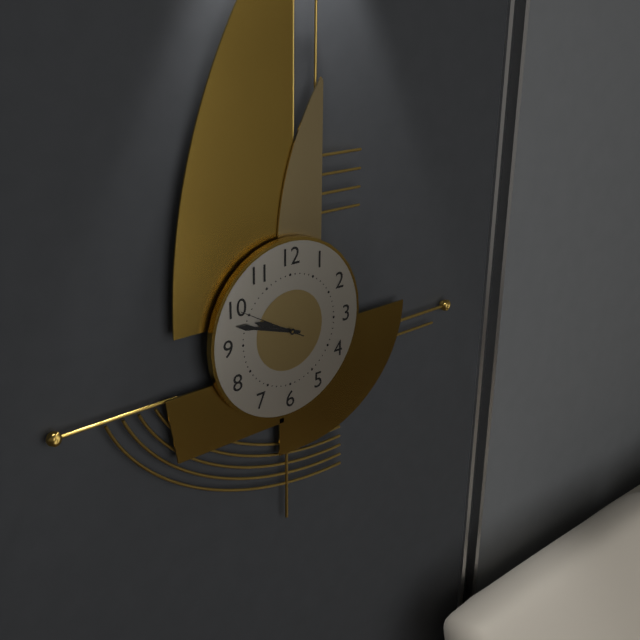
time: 9:48:50
